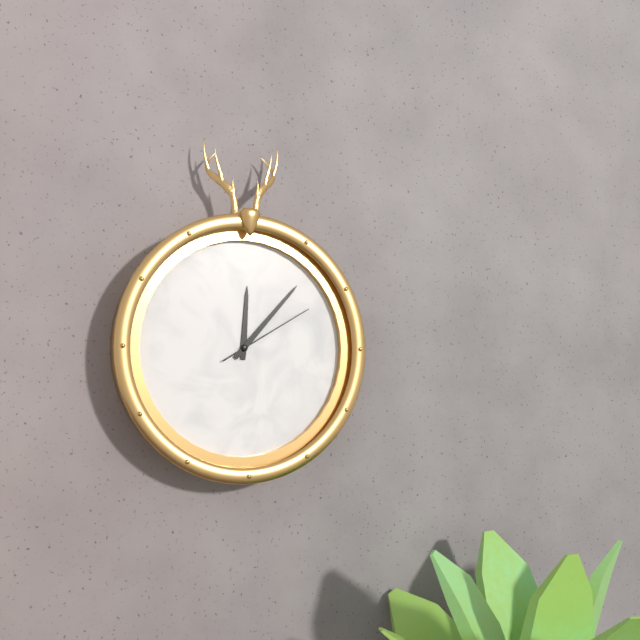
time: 12:07:10
